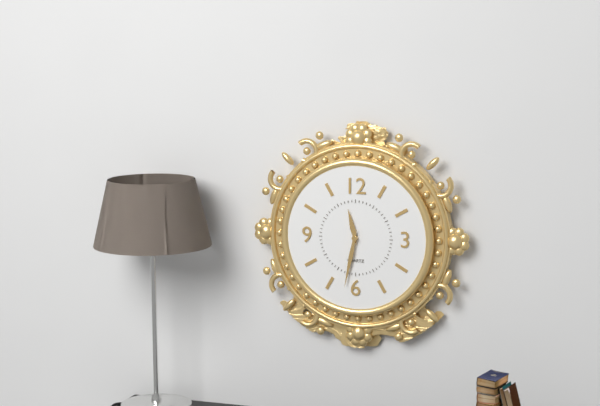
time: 11:32
